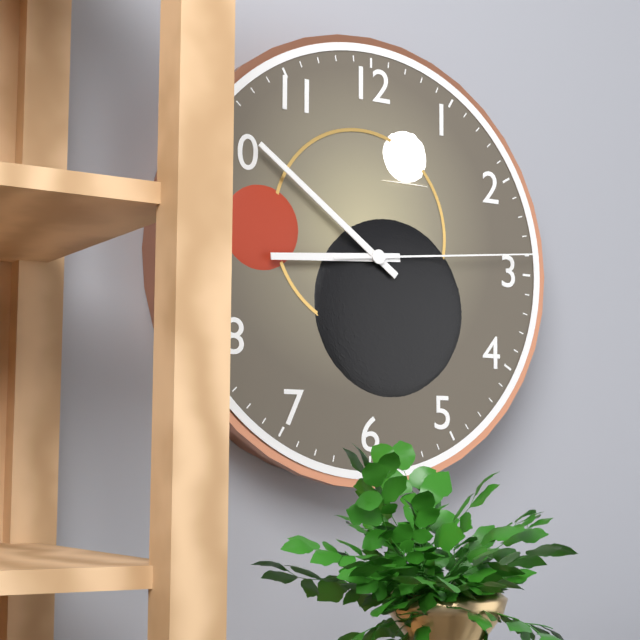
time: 8:51:14
